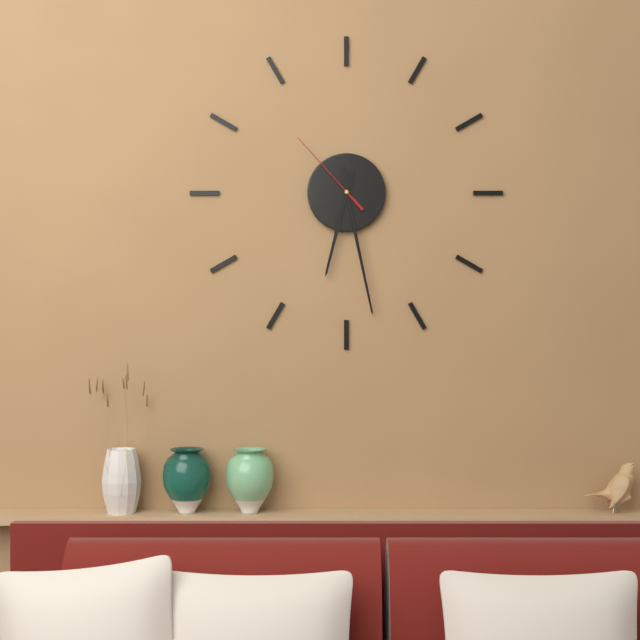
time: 6:28:53
